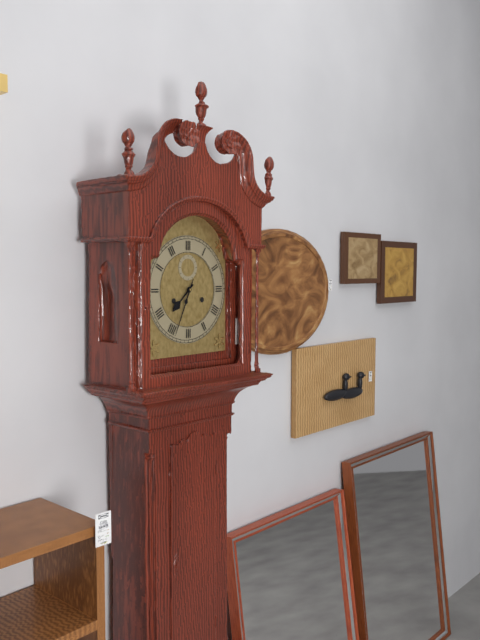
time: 7:34
